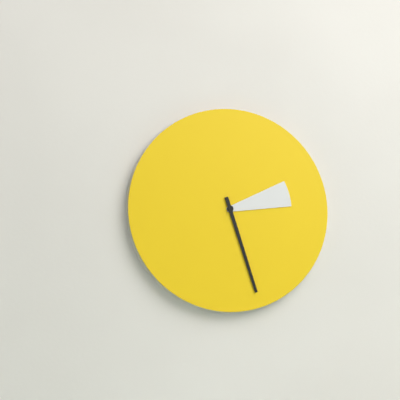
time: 2:27
